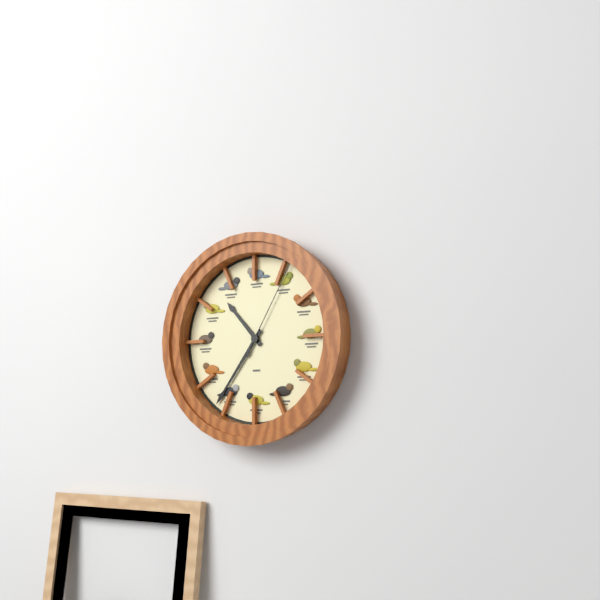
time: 10:36:05
